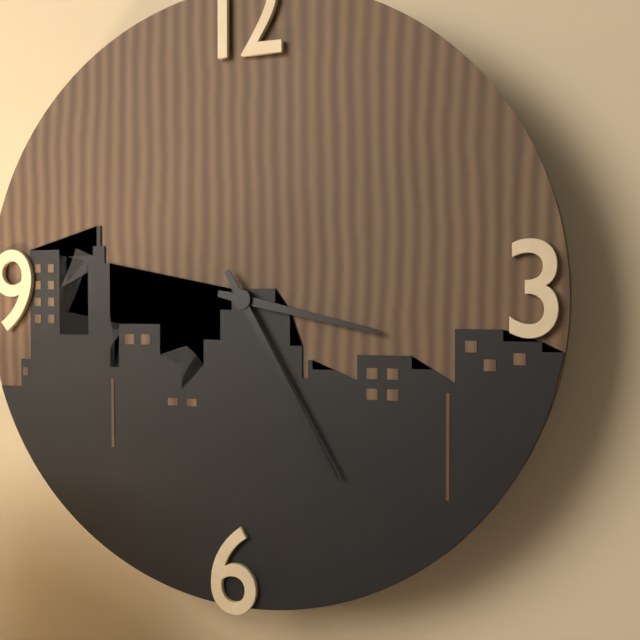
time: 3:25
